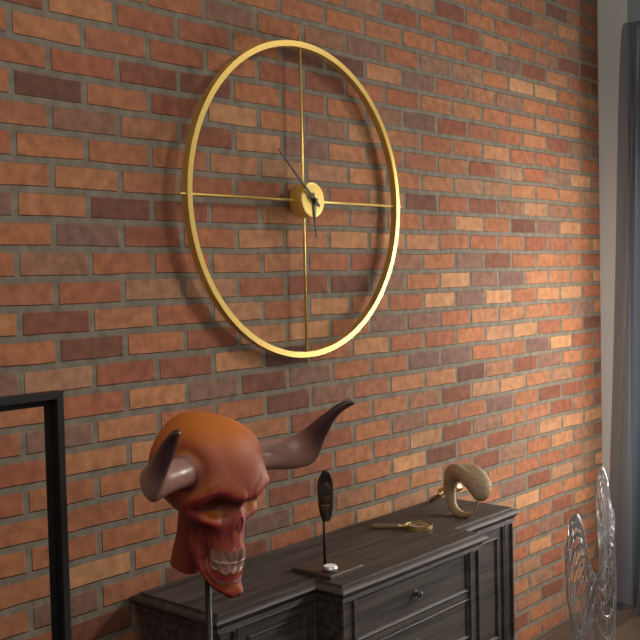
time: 5:52
